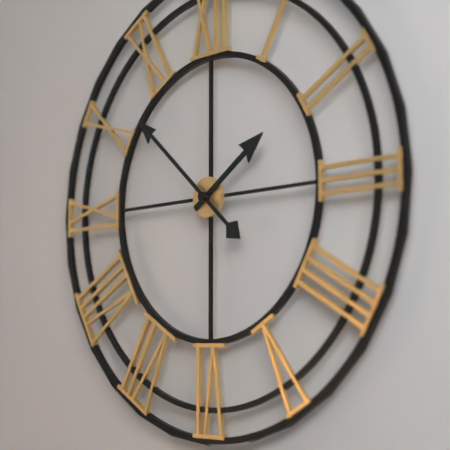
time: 1:52
